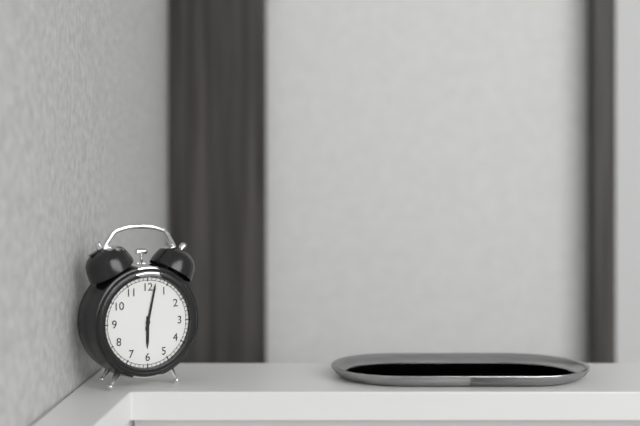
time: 6:02
